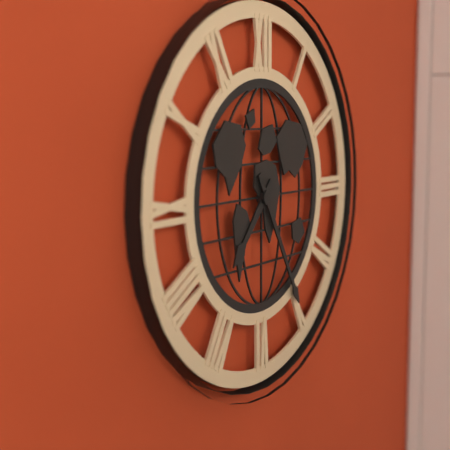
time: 7:25
